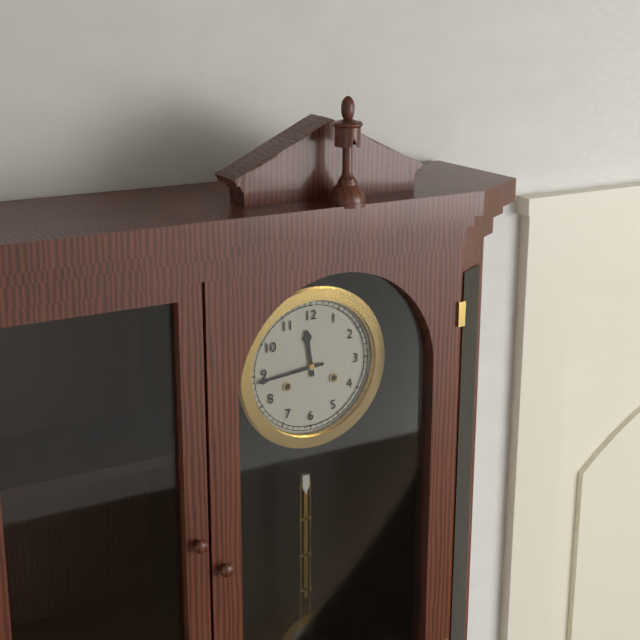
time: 11:44
